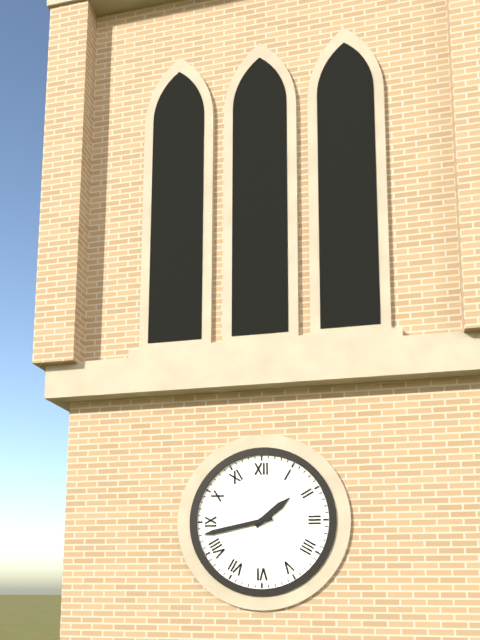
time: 1:43
